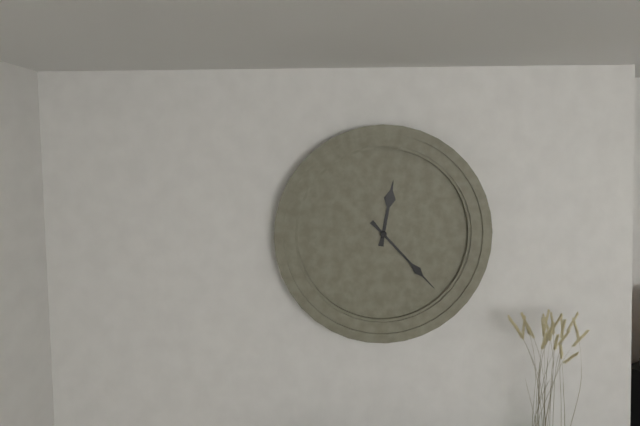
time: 12:23
